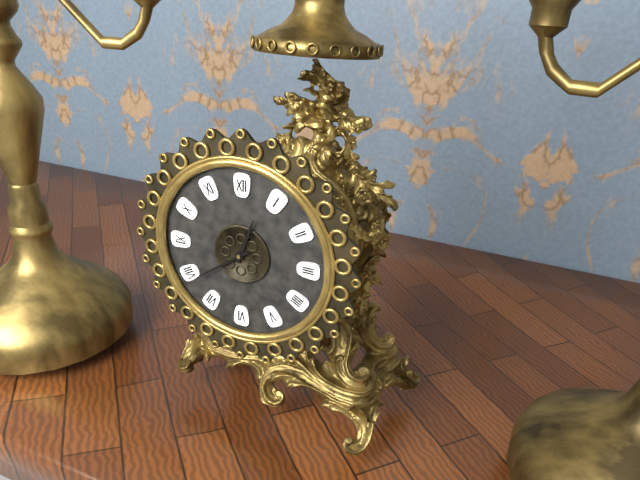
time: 12:39
